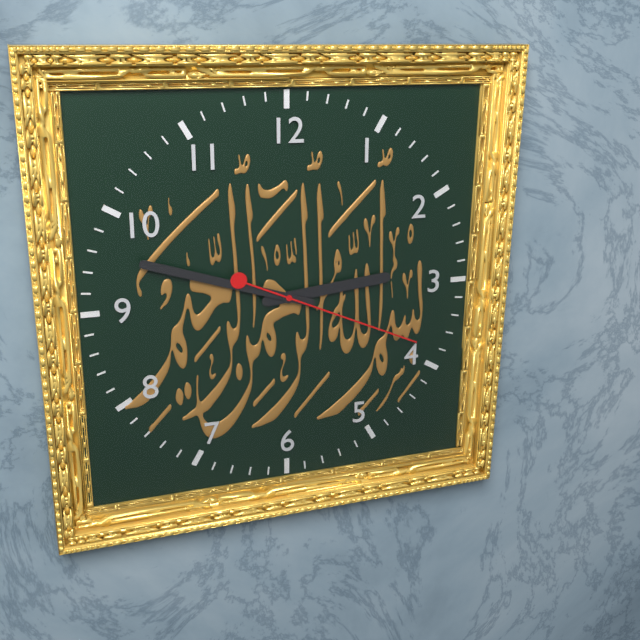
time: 2:48:19
